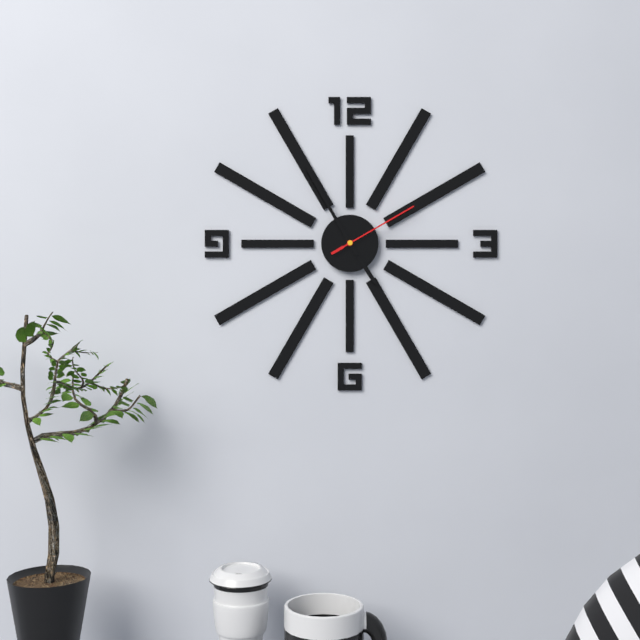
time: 4:55:10
